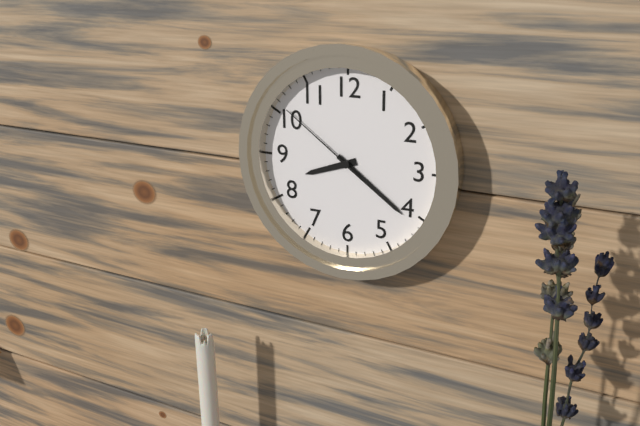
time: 8:21:51
